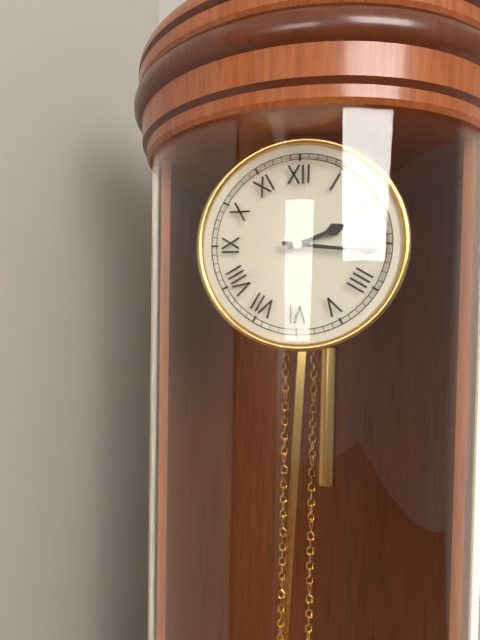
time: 2:16
